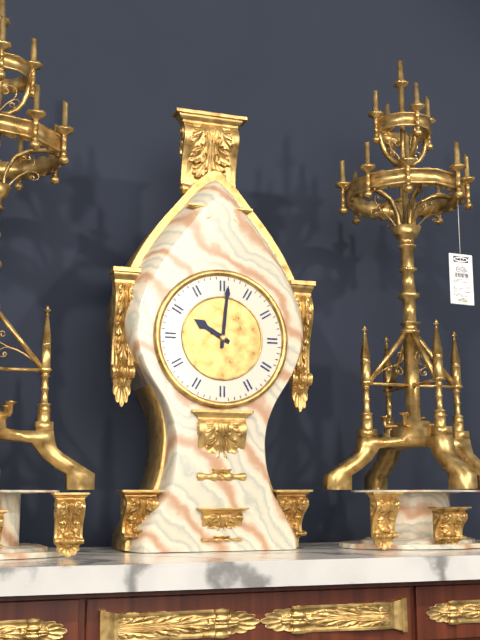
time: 10:01
